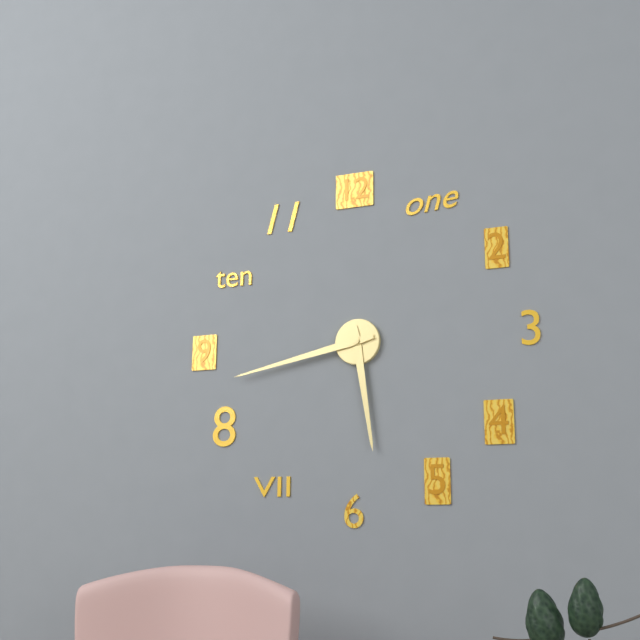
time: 5:43
